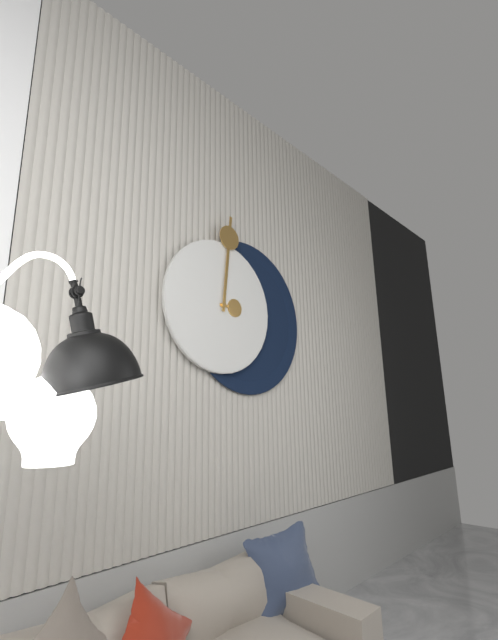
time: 3:01
